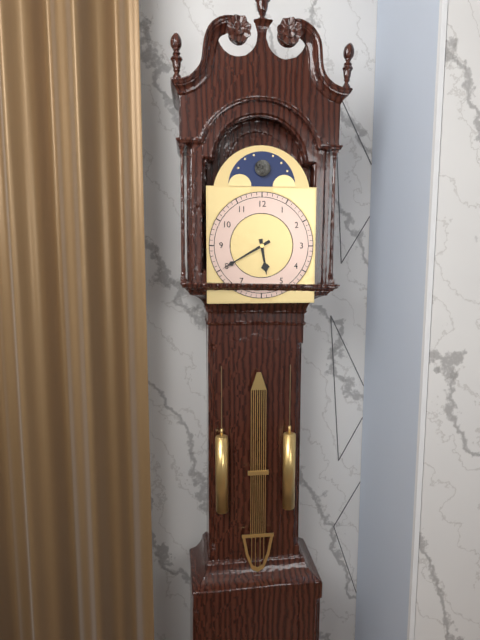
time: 5:40
